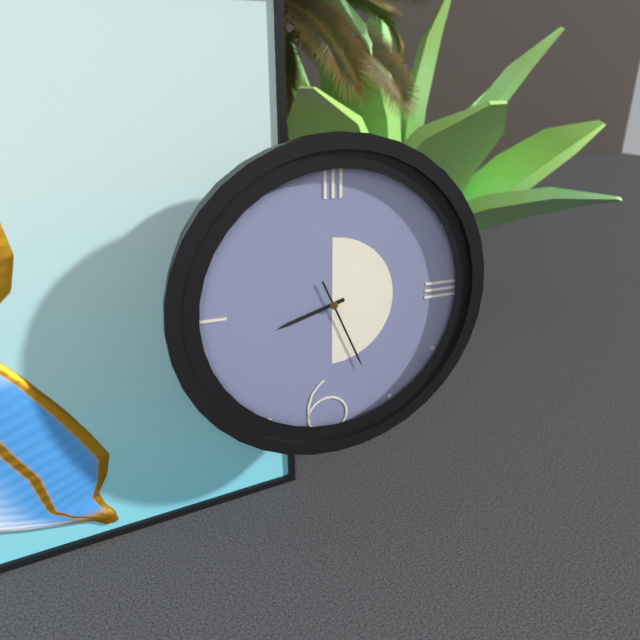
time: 8:26
